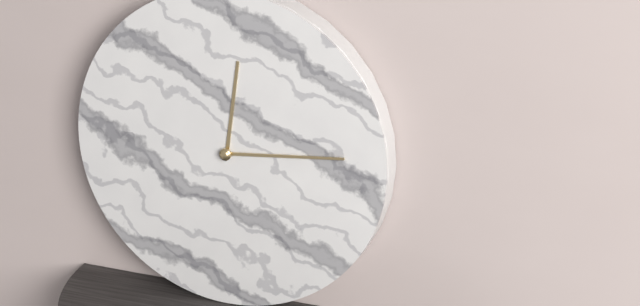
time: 12:14
